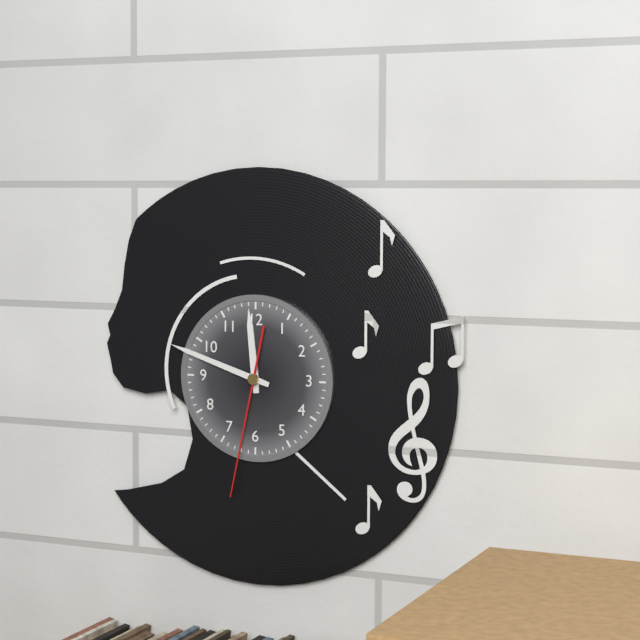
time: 11:48:32
